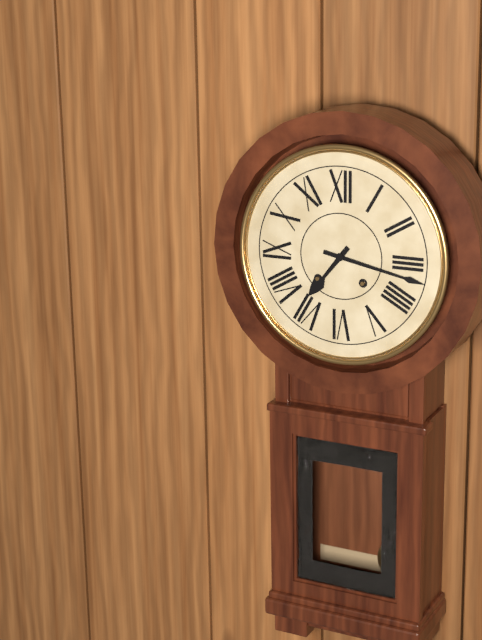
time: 7:17
